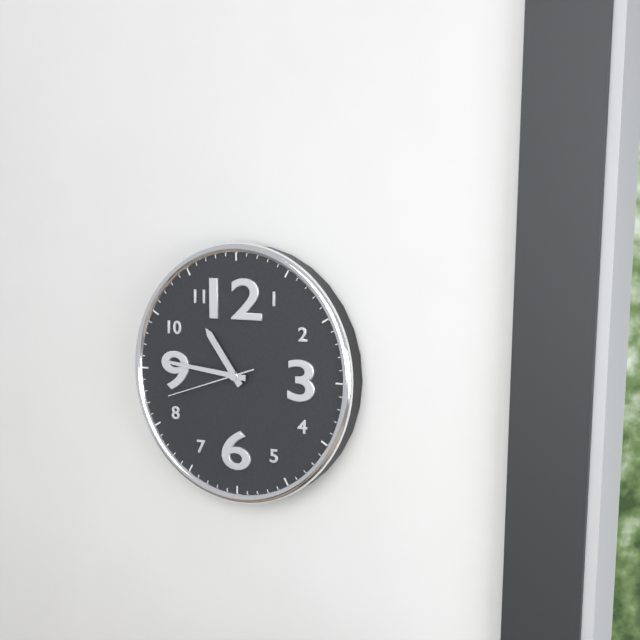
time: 10:46:42
